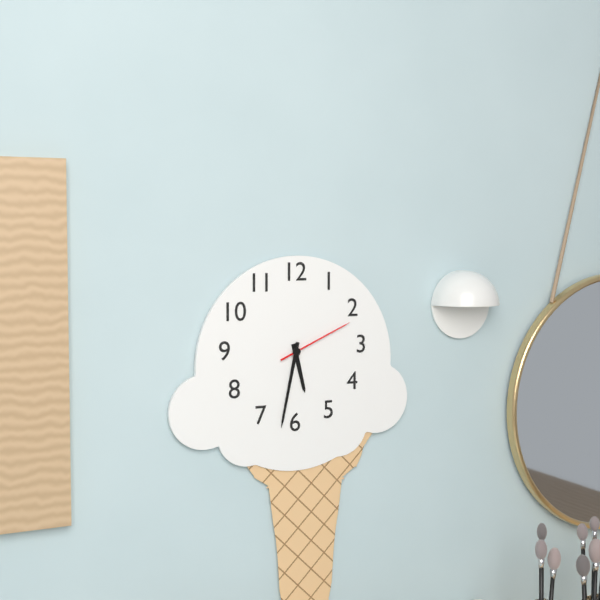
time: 5:32:11
